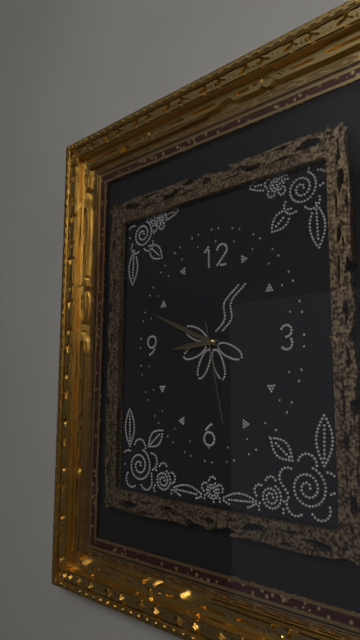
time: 8:49:28
